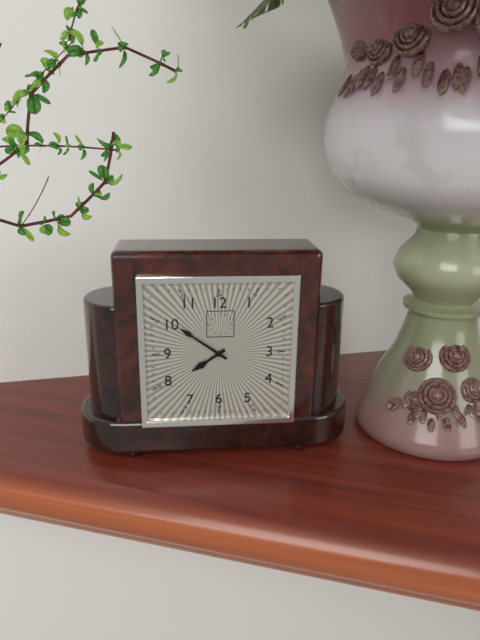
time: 7:51
